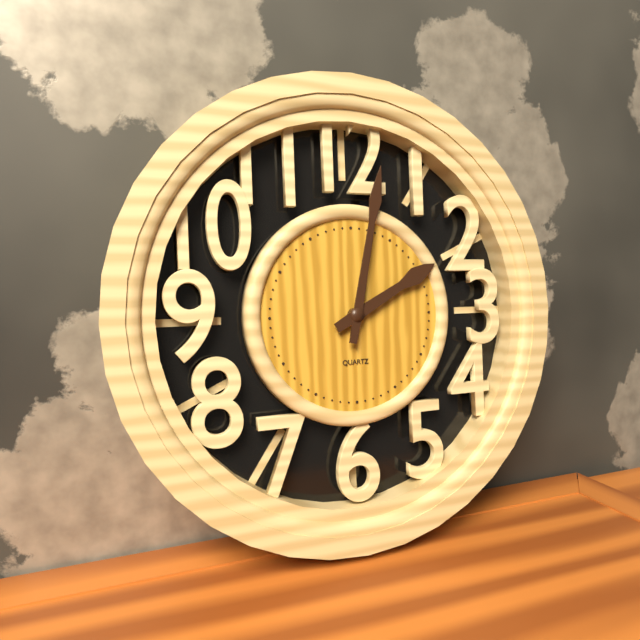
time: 2:02
